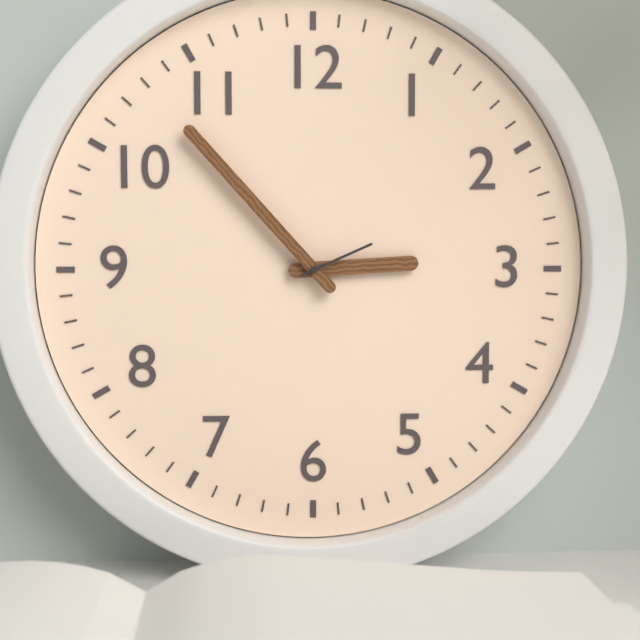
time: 2:53:11
